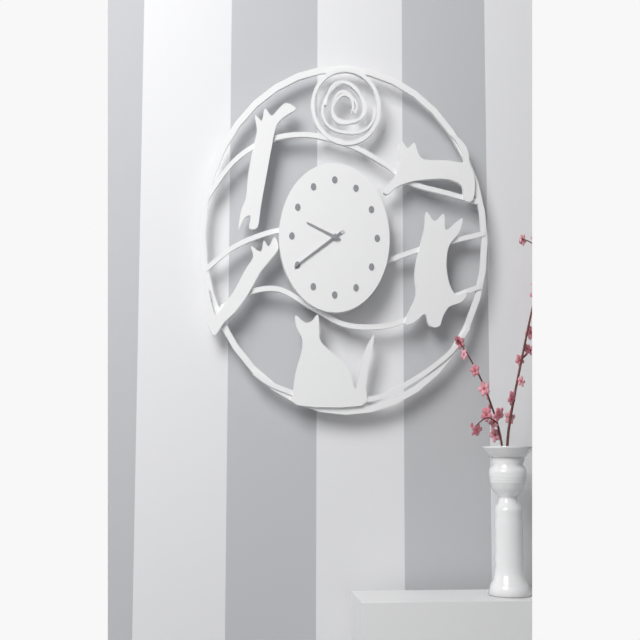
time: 9:40:40
